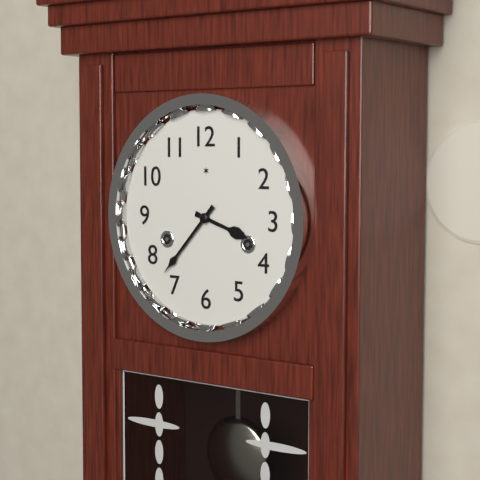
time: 3:37
